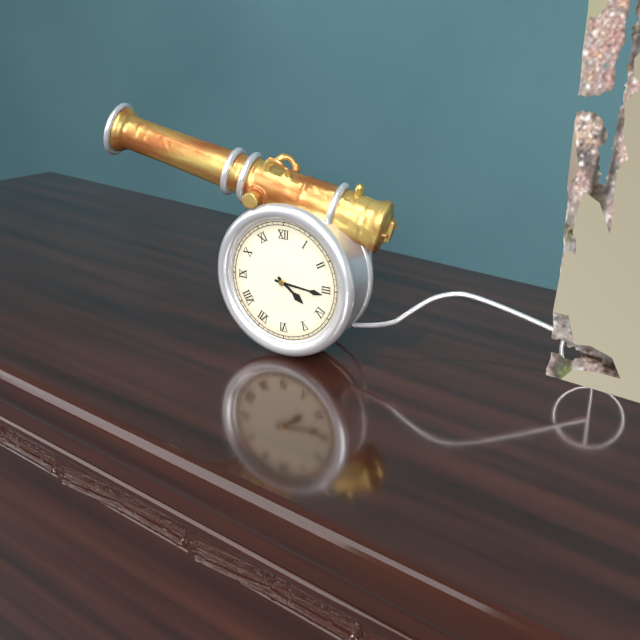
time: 4:16
